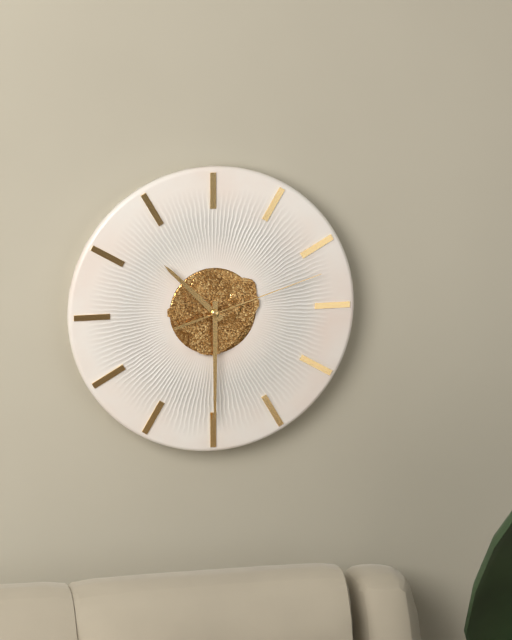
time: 10:30:12
